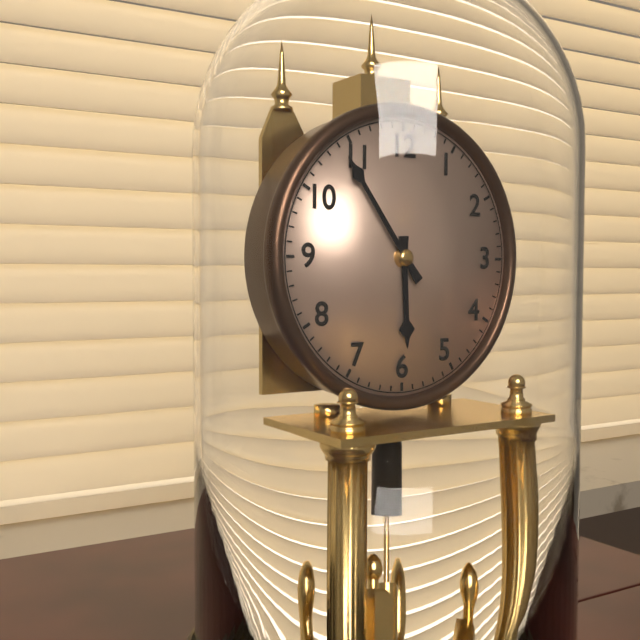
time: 5:54
